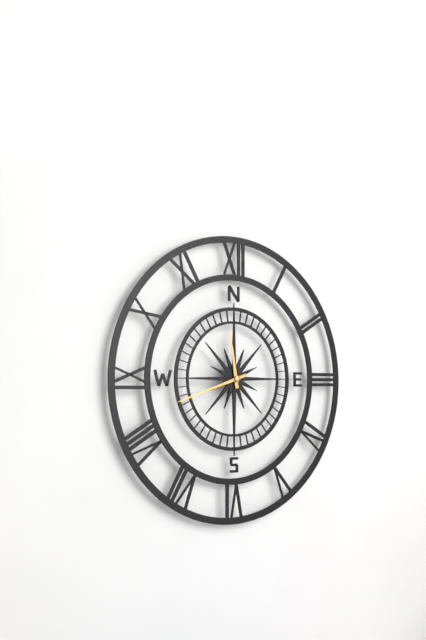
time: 11:42
